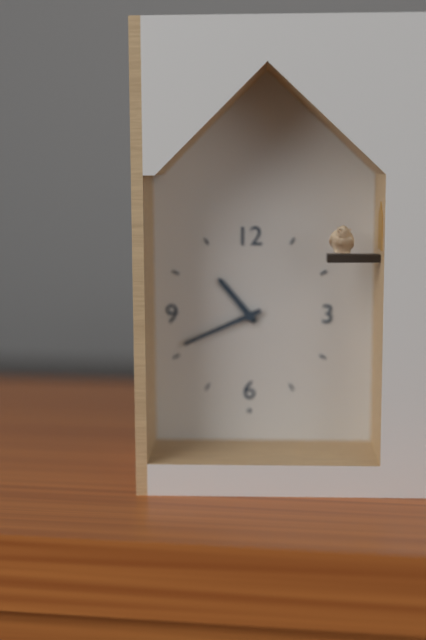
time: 10:41
